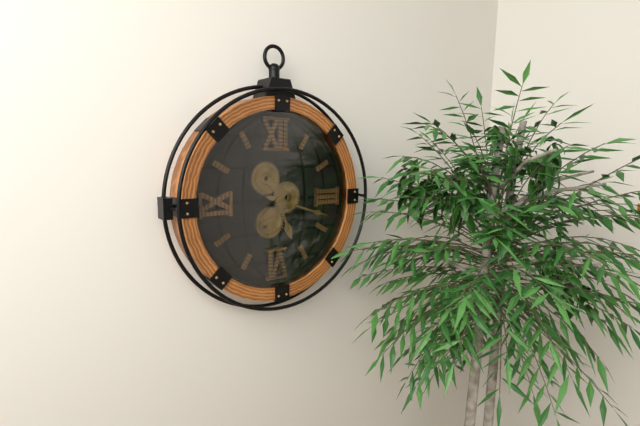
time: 5:18
